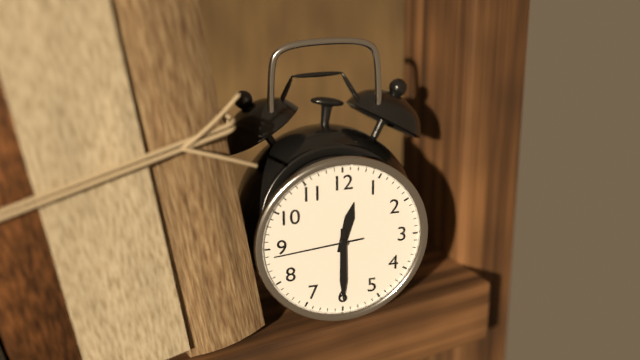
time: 12:30:44
